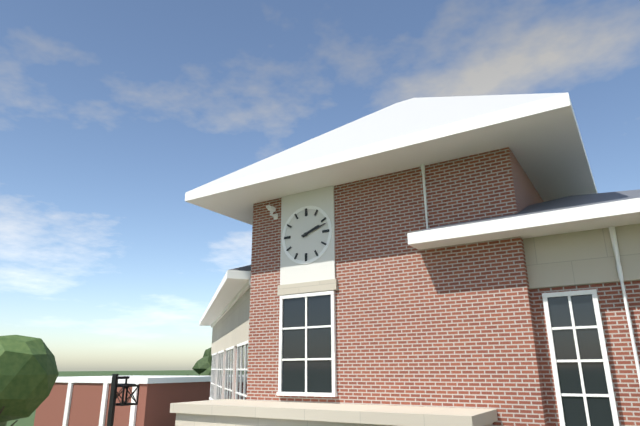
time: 2:12
